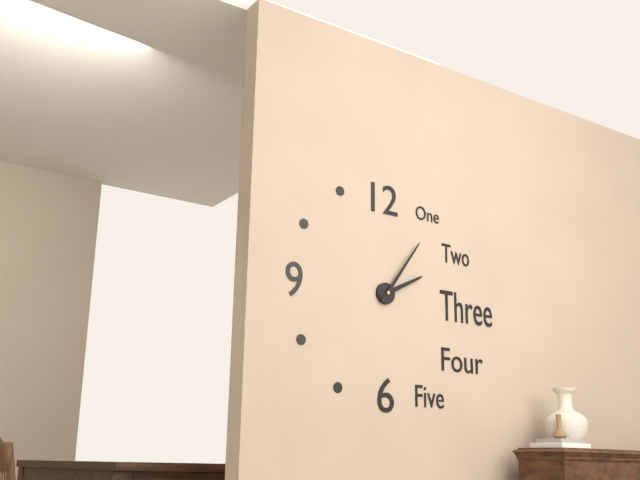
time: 2:06
